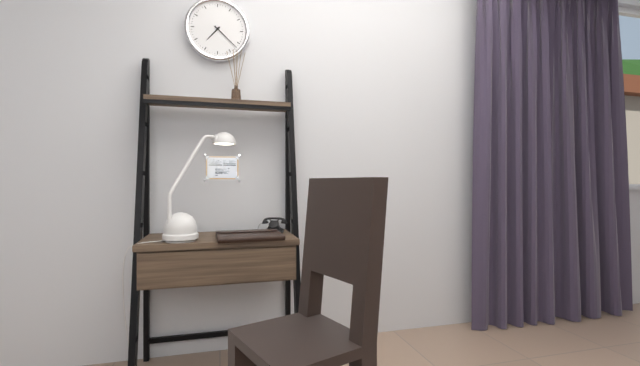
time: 7:22
